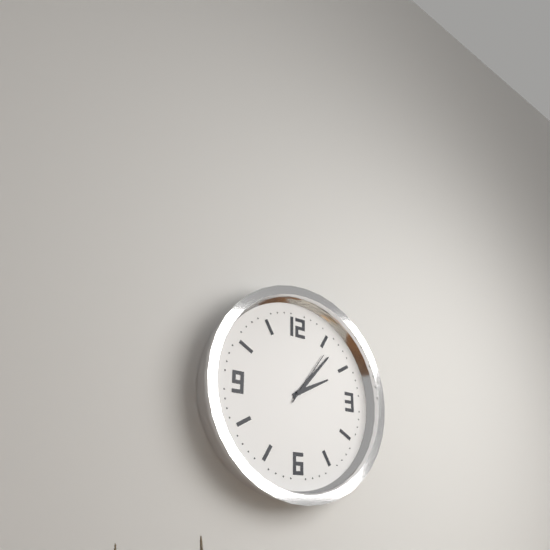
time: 2:07:06
